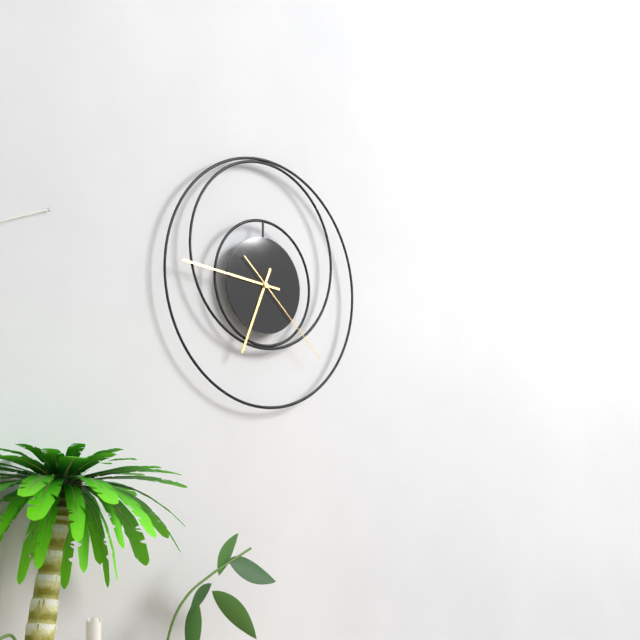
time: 6:46:22
